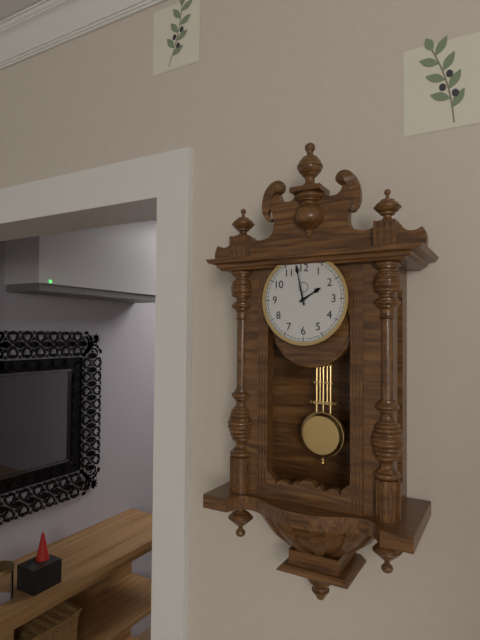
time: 1:58
